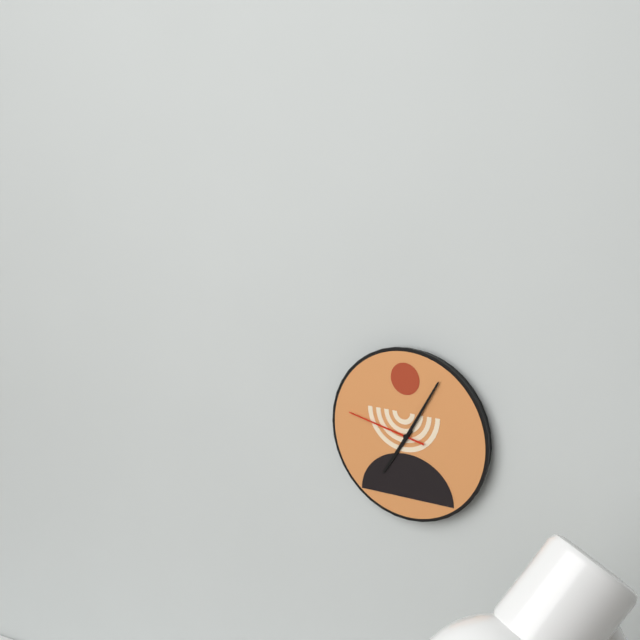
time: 7:05:47
